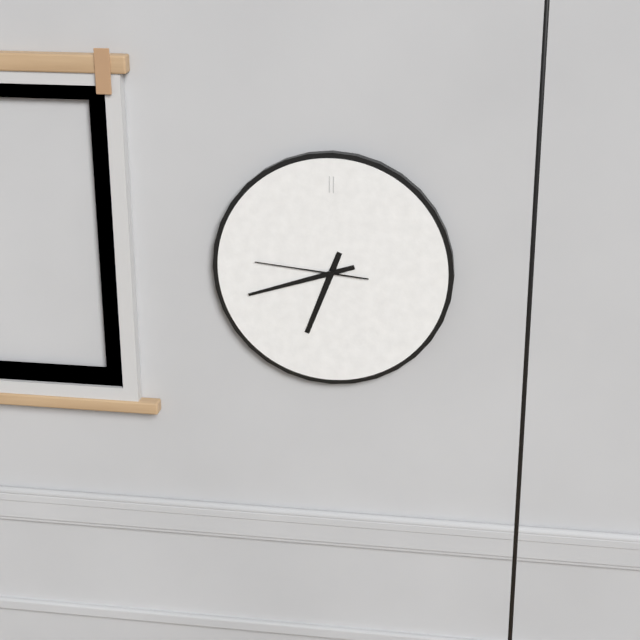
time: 6:42:46
